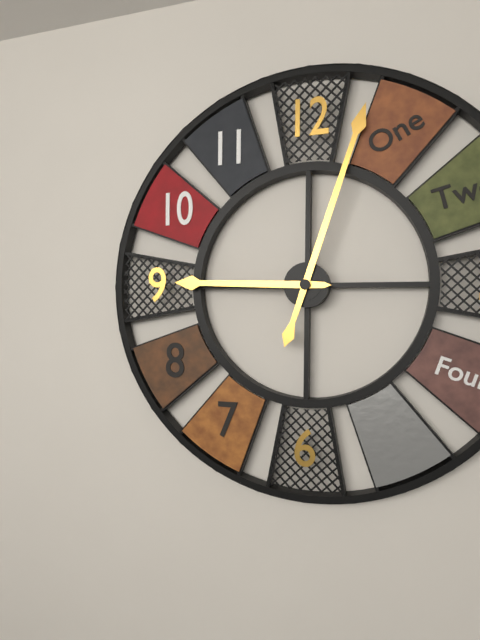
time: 9:03
